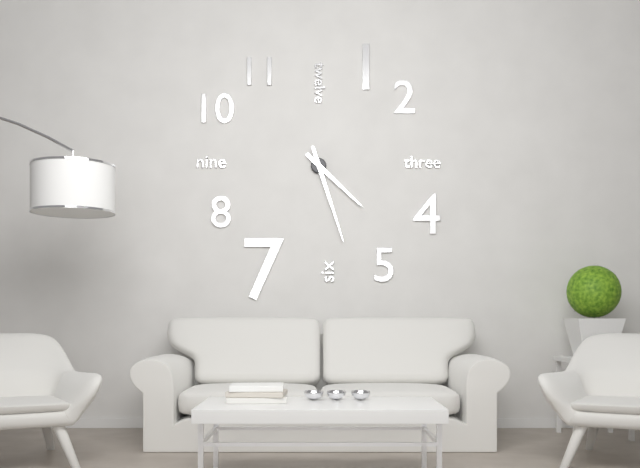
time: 4:27
